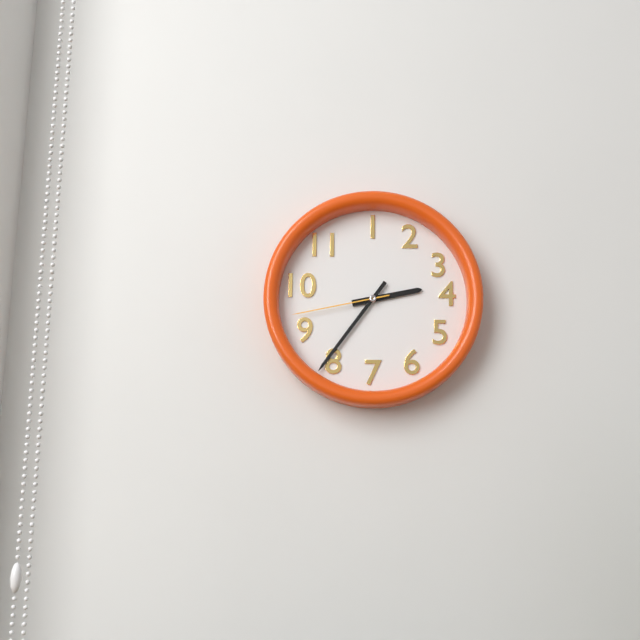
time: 2:36:43
